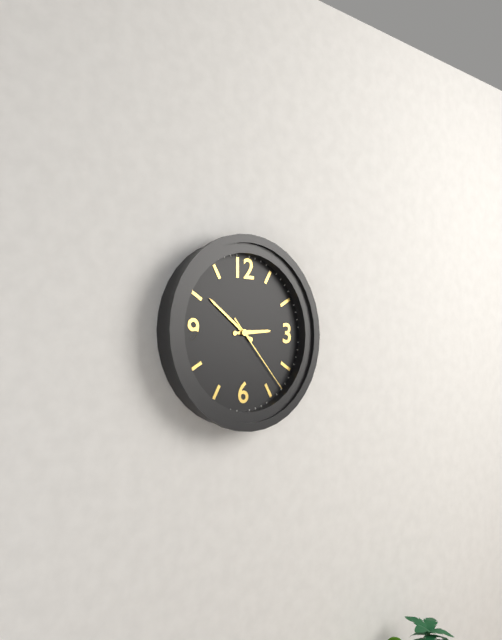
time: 2:51:23
